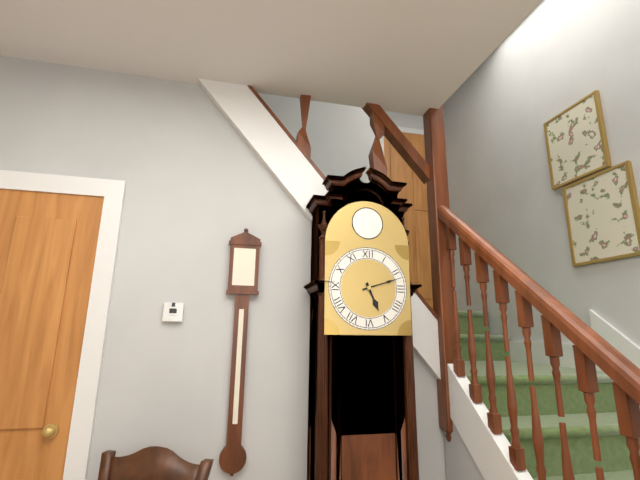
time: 5:12
